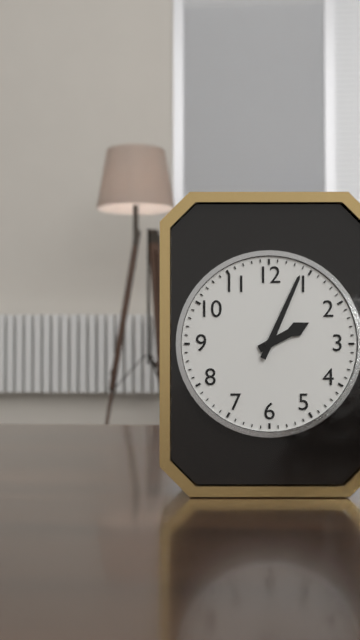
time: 2:04
